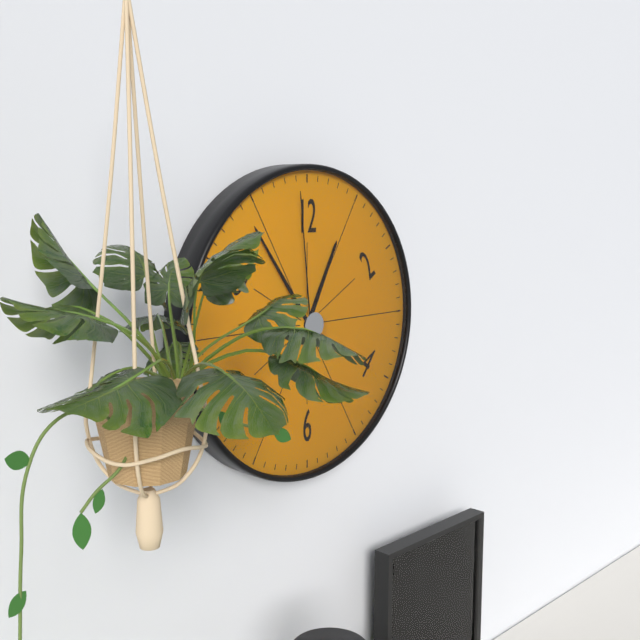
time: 12:54:59
